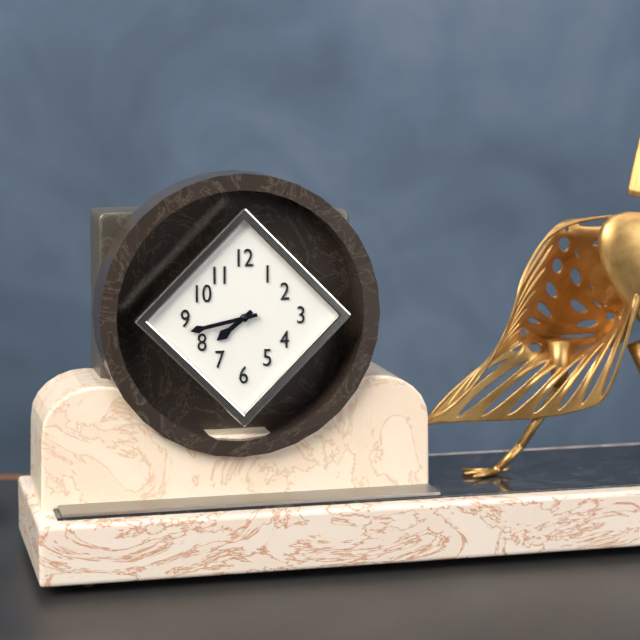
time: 7:43
